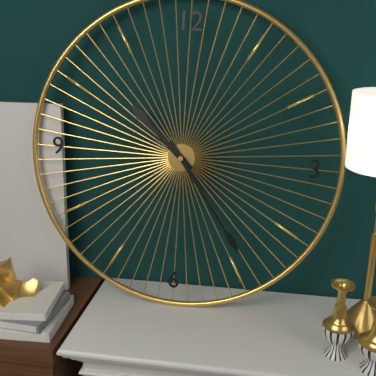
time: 10:24
